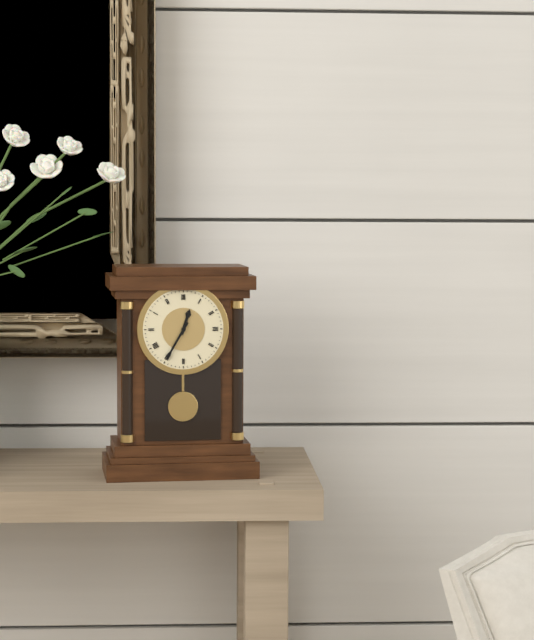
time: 12:35
